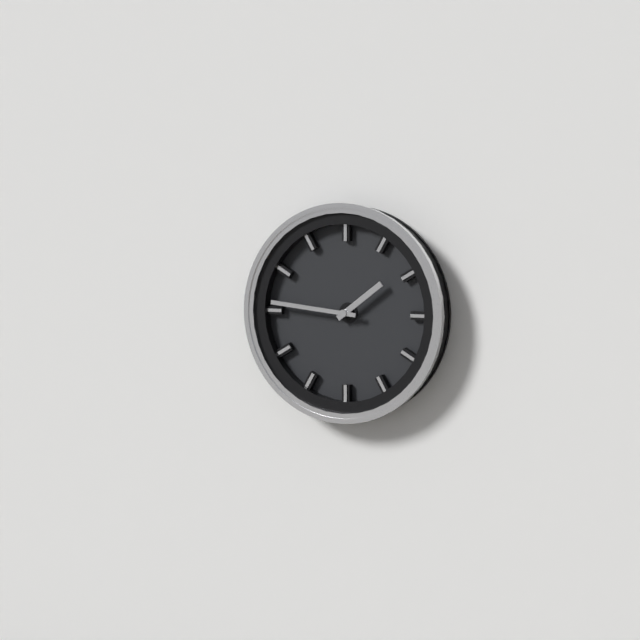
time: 1:46
